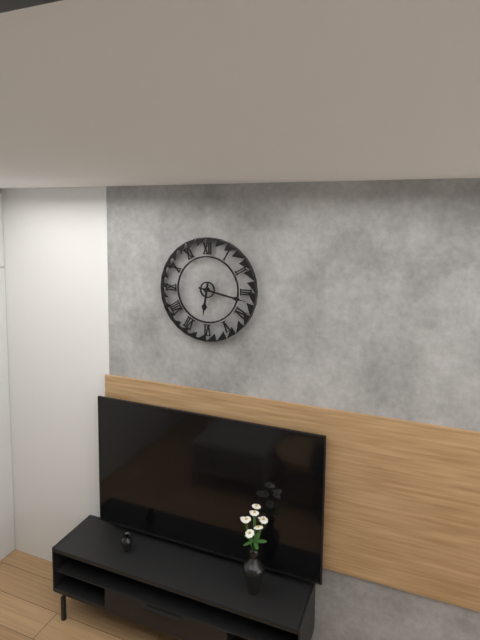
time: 6:17
